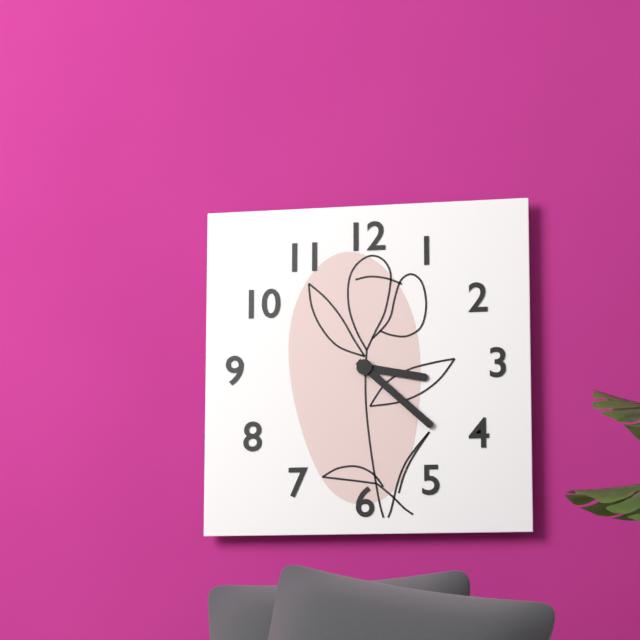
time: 3:22
